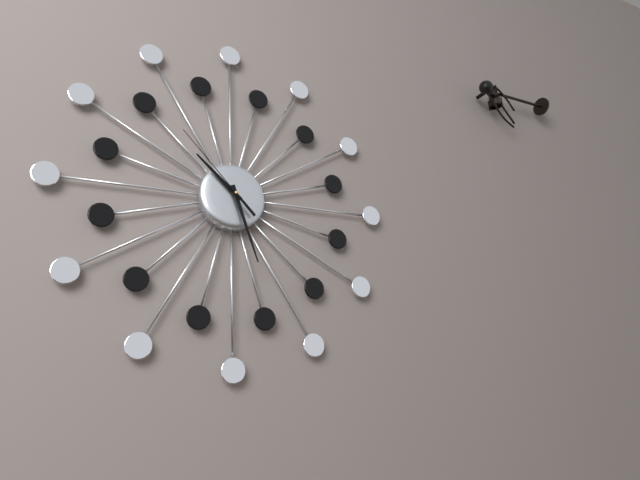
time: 10:27:53
